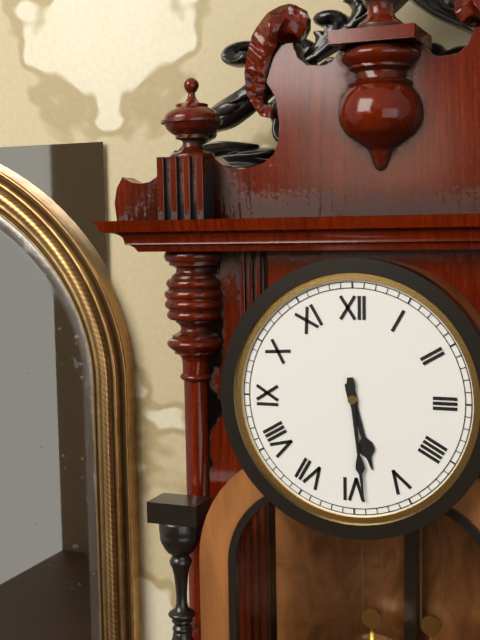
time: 5:29
